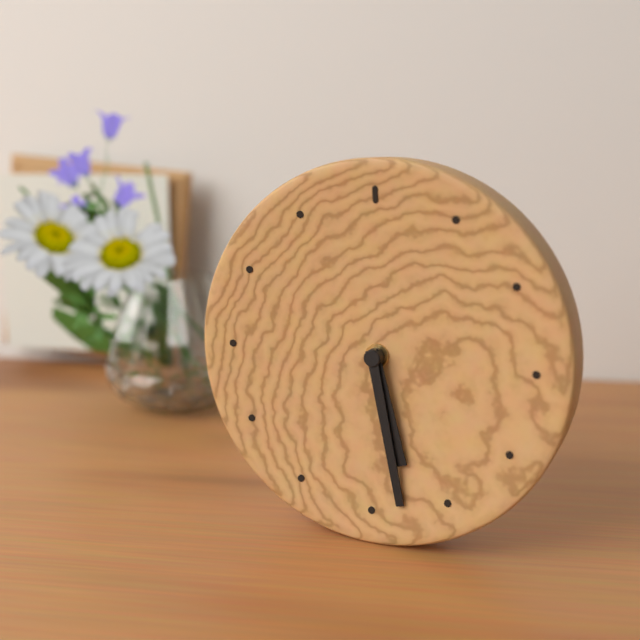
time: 5:28
